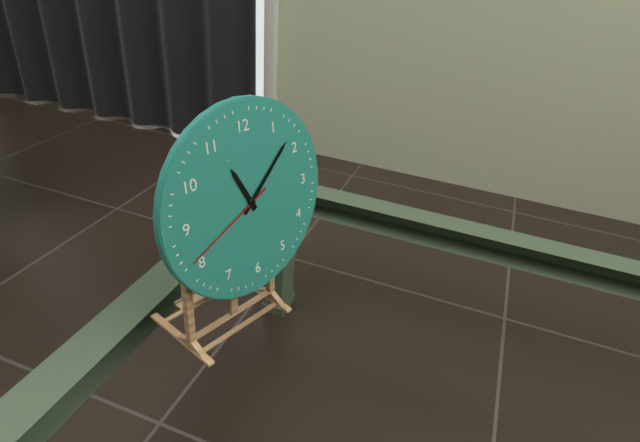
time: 11:08:41
